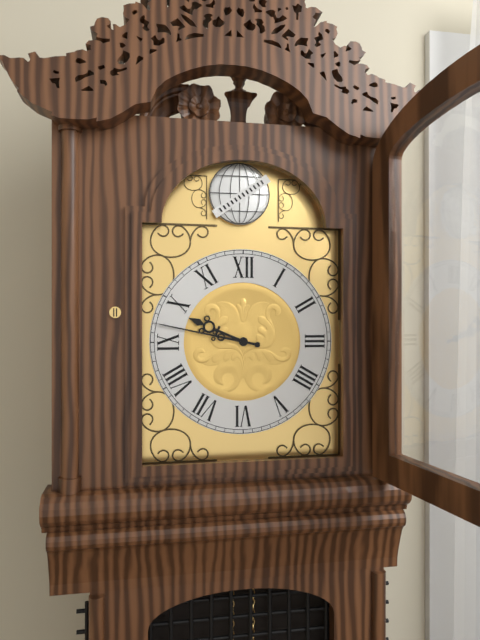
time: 9:47
